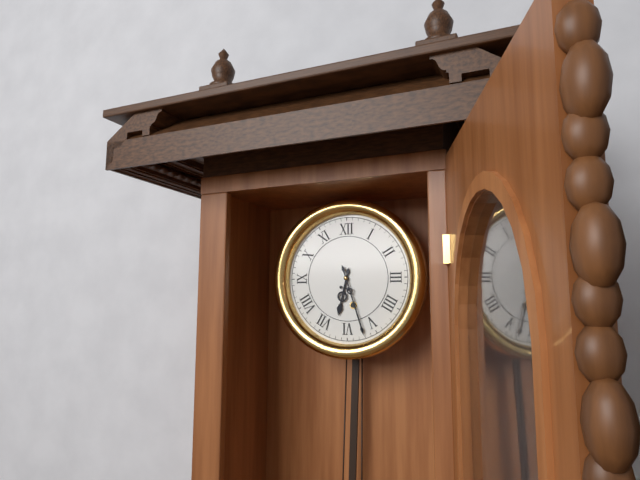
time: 6:27
